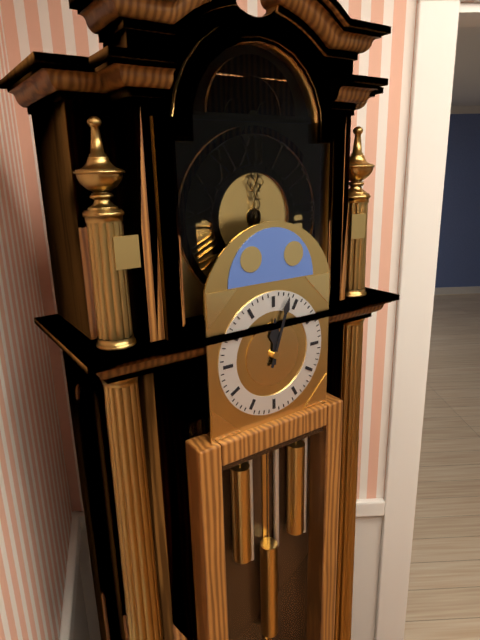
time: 12:03
